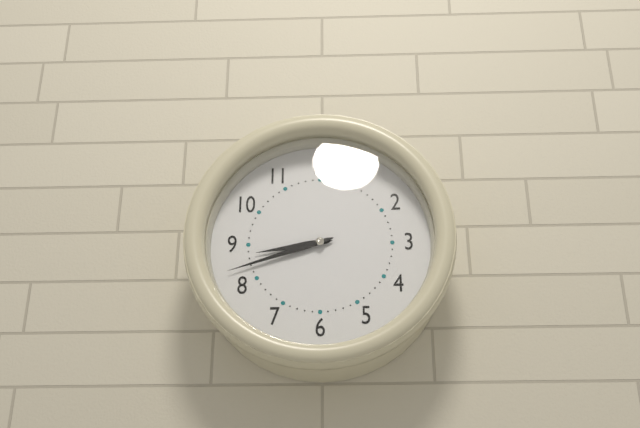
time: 8:42
